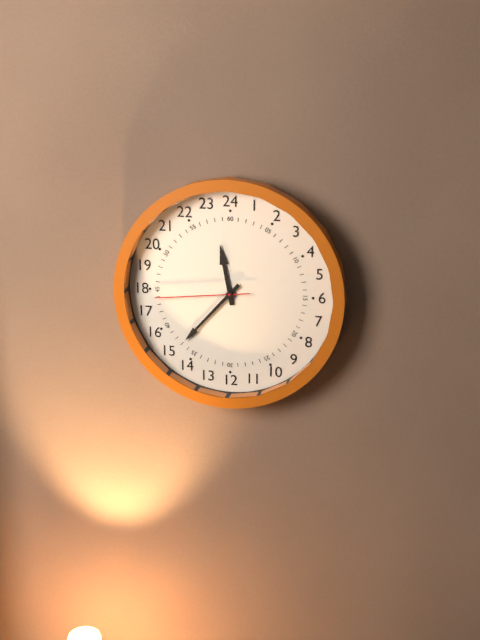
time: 11:37:44
